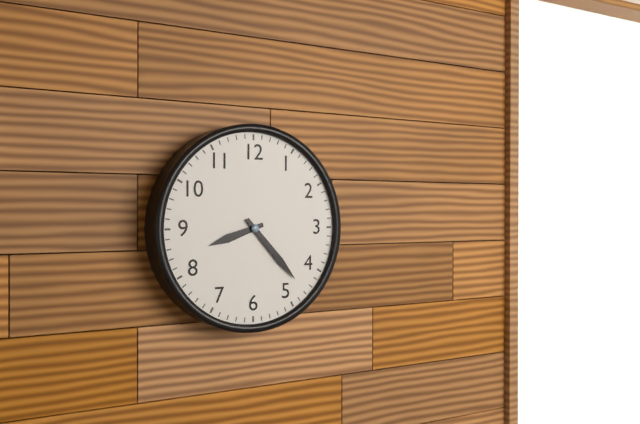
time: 8:23
